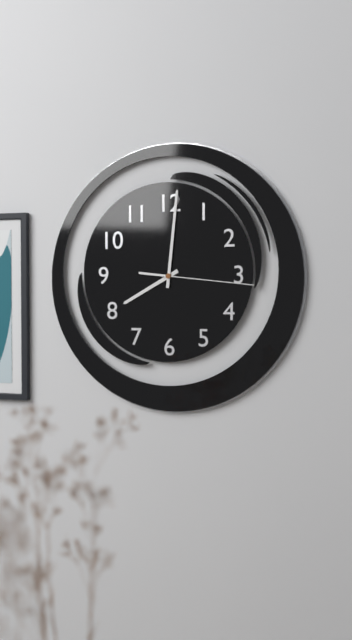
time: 8:01:16
